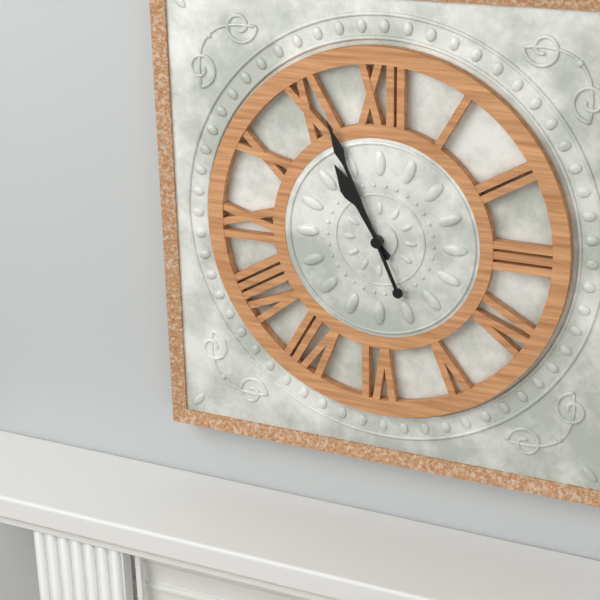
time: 10:56
